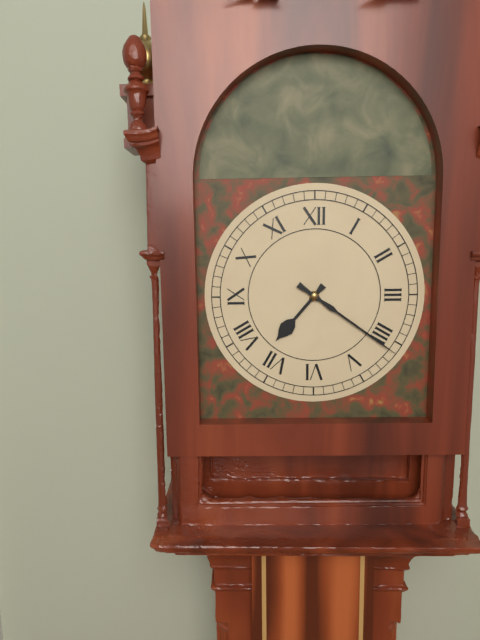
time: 7:21
